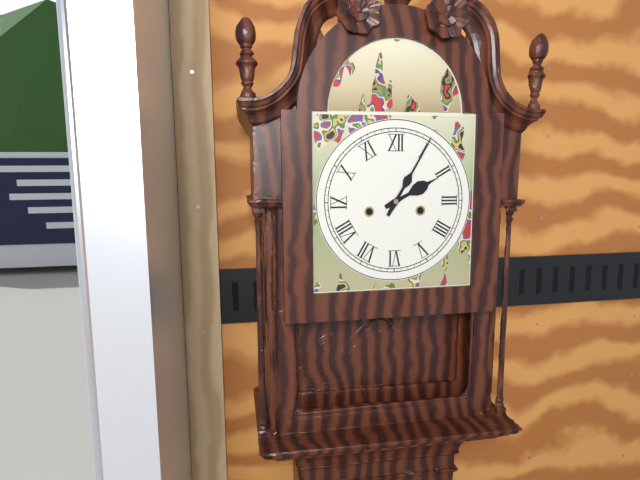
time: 2:05
